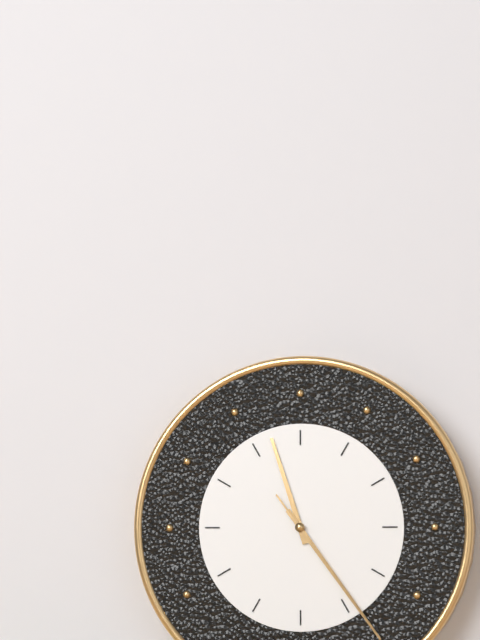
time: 11:24:24
